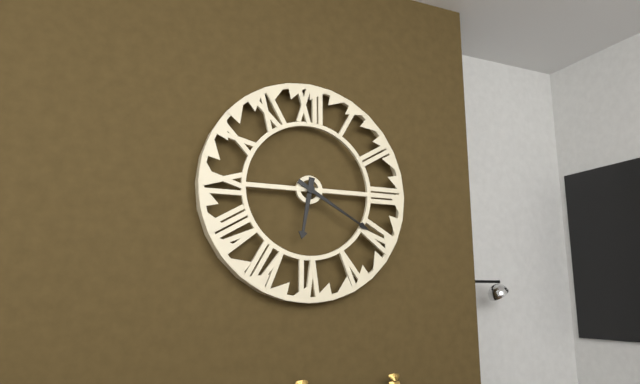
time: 6:20
